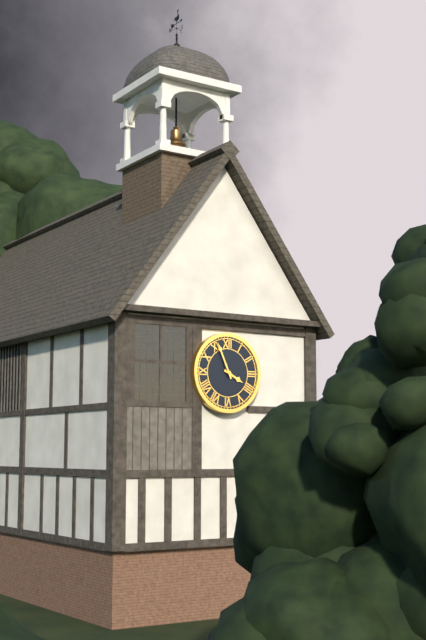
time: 3:56
